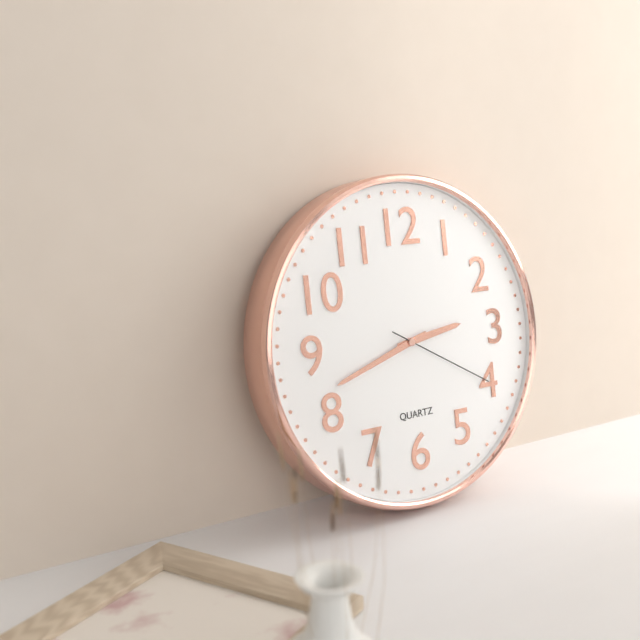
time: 2:42:20
